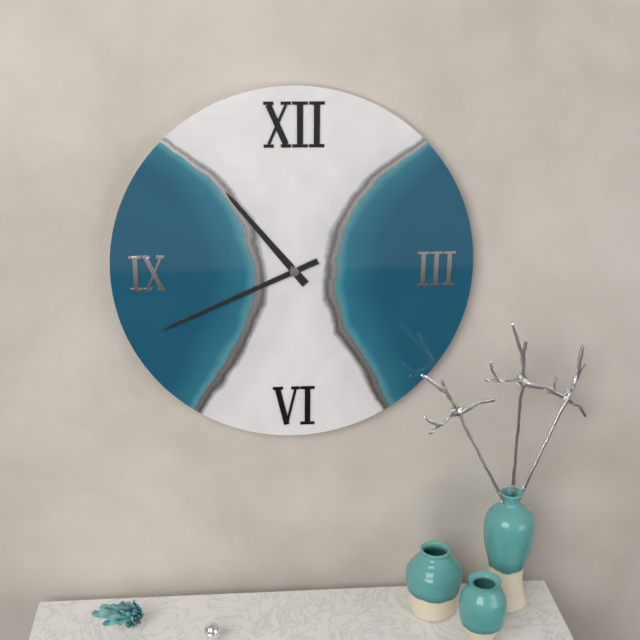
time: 10:41
